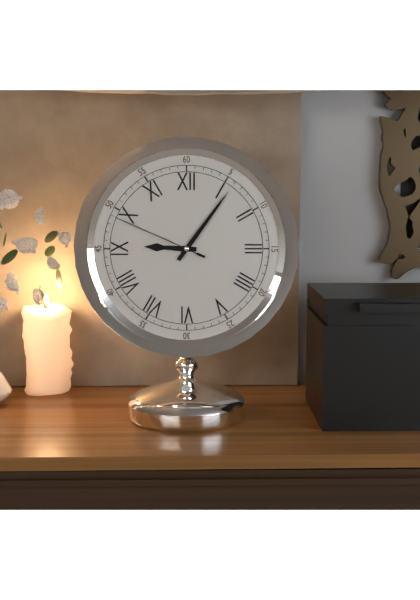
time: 9:06:49
